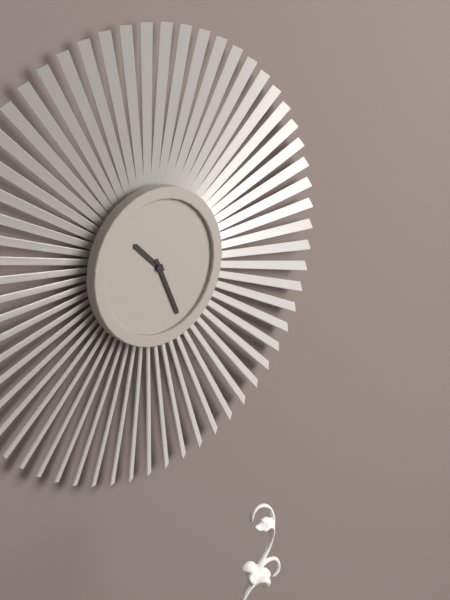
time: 10:26
